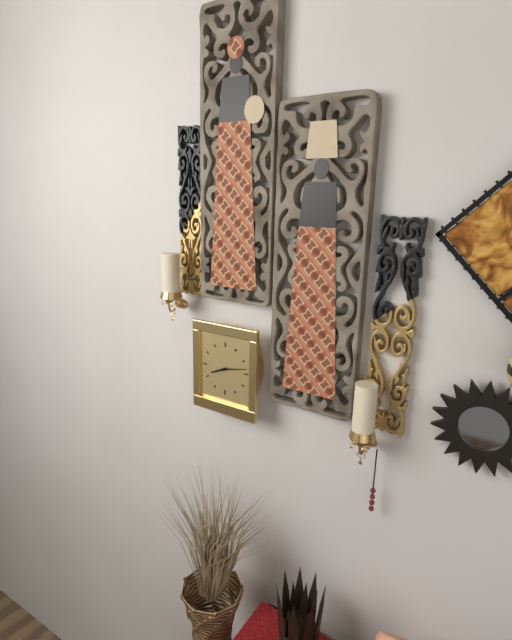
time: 8:13
